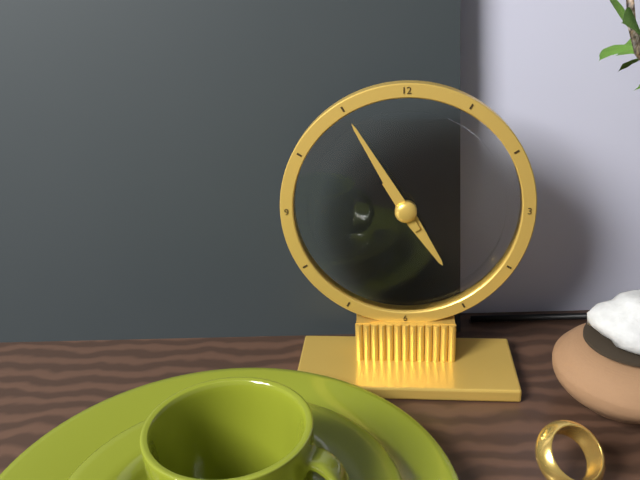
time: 4:55
